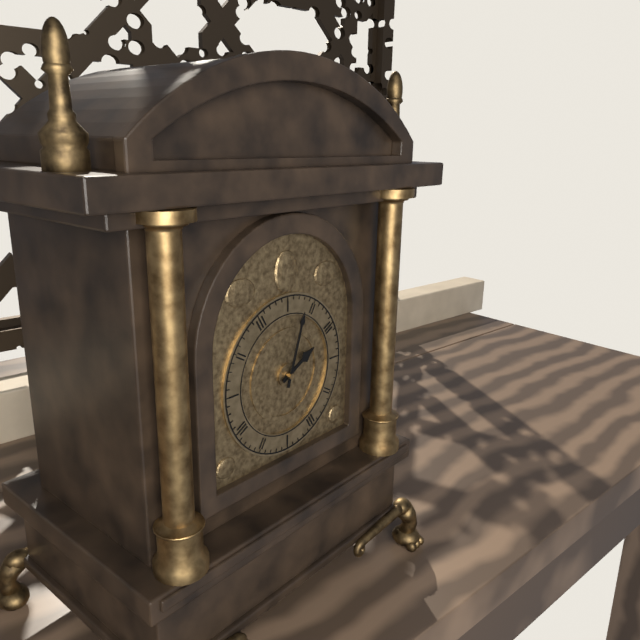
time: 2:03
